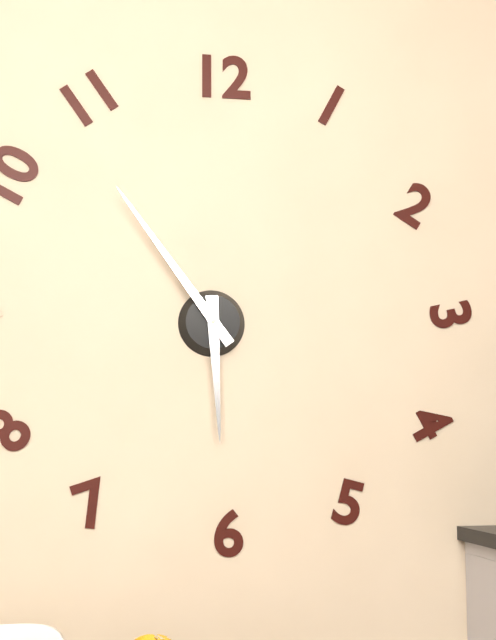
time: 5:54
